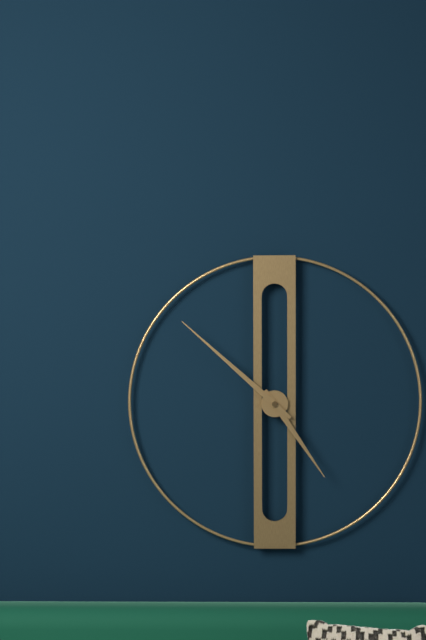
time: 4:52
